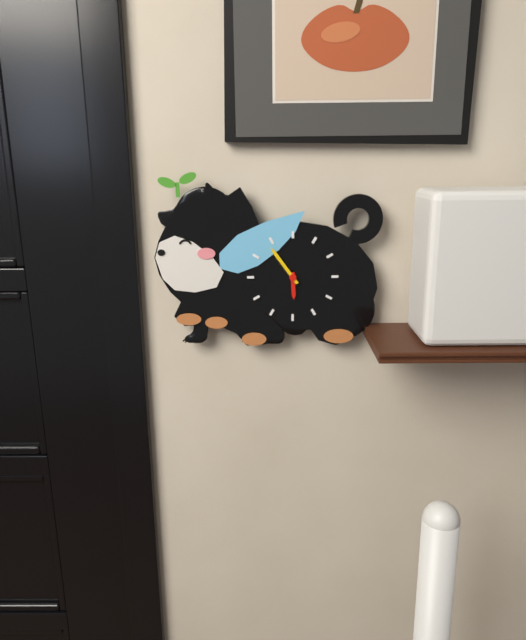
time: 5:54
